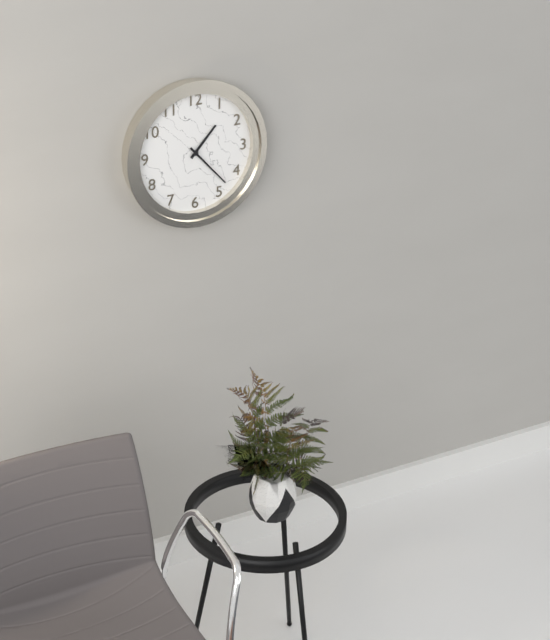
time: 1:23
